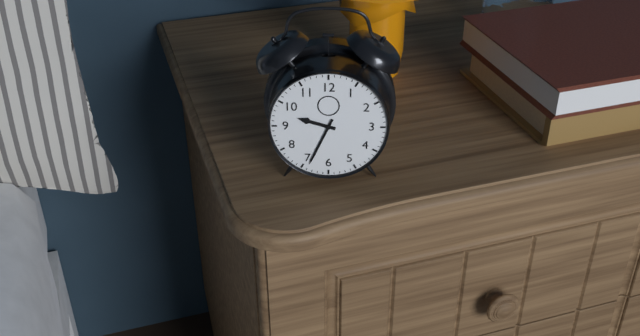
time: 9:34
